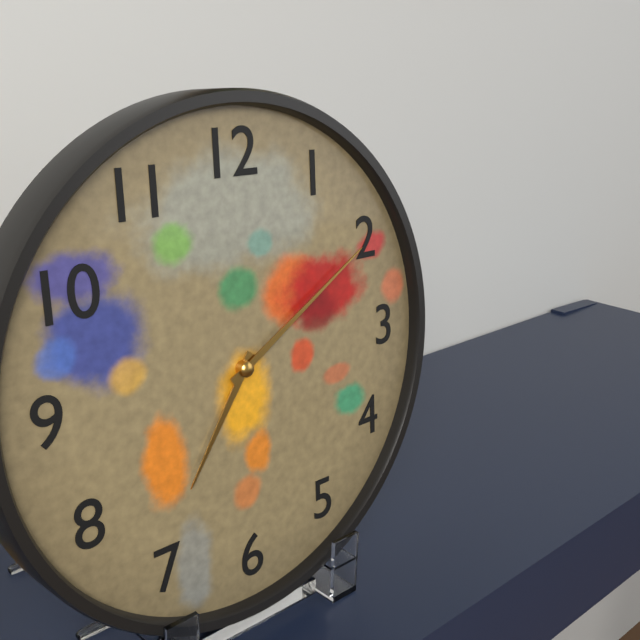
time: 7:10
